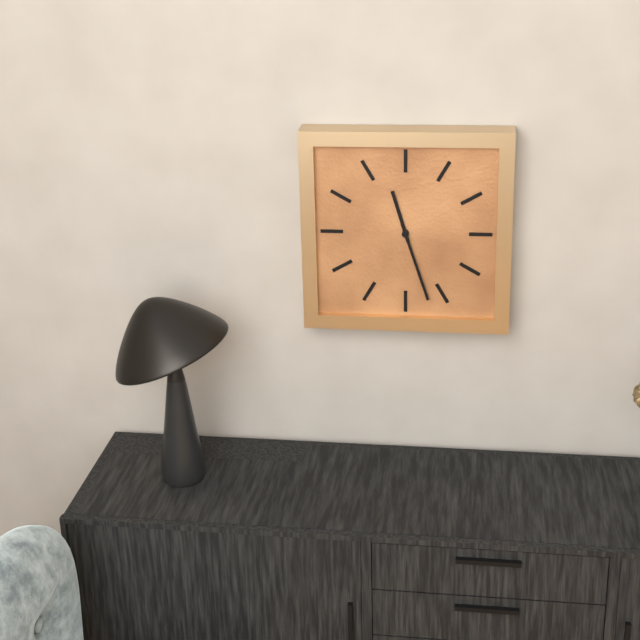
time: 11:27
